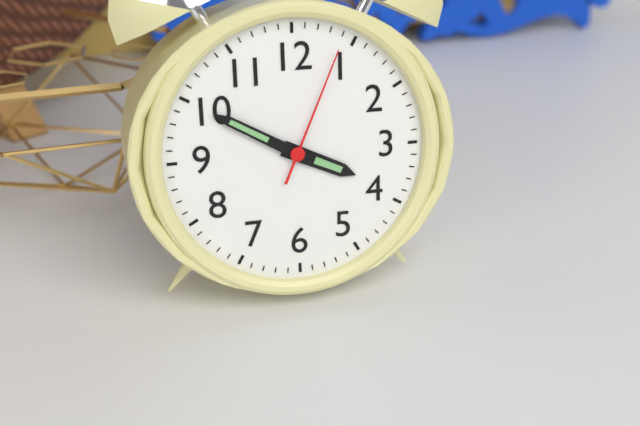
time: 3:50:04
